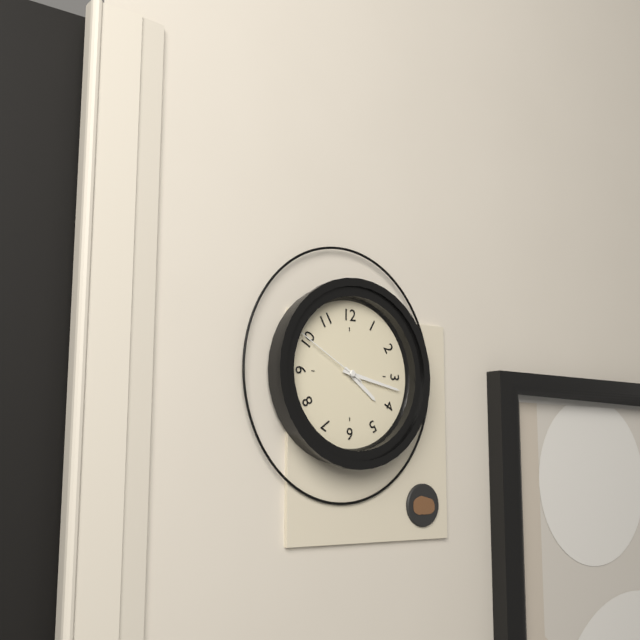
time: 4:17:50
